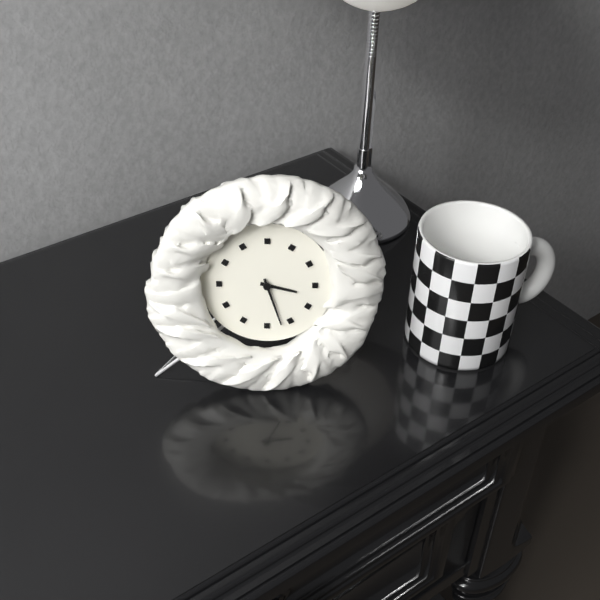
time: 3:27
